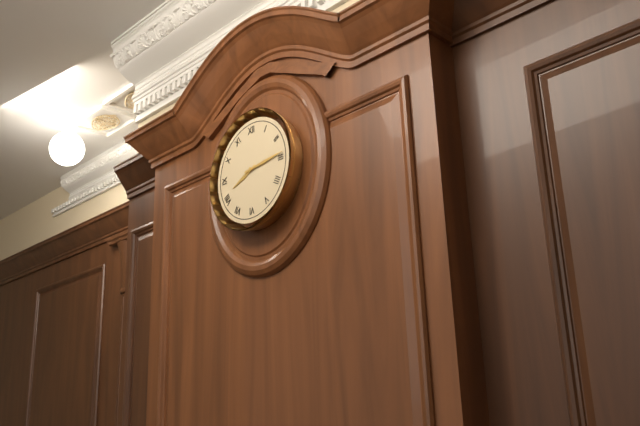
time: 8:14
